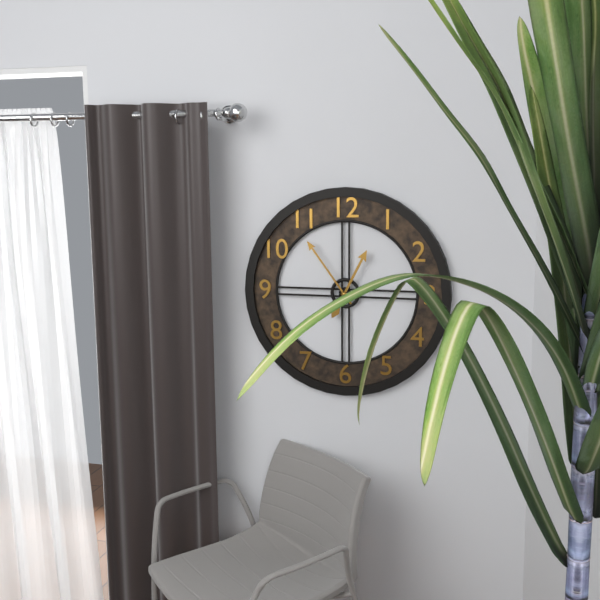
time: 12:54
